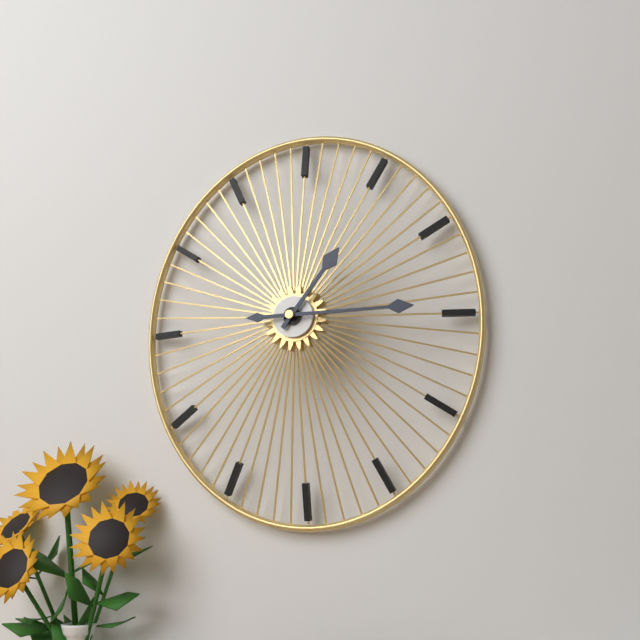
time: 1:15
